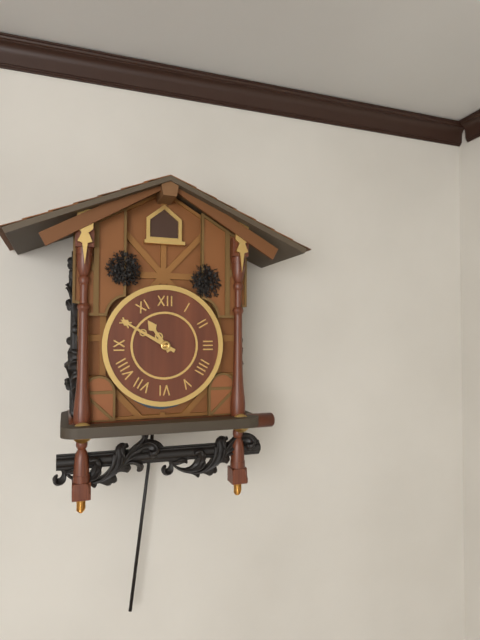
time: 10:50
